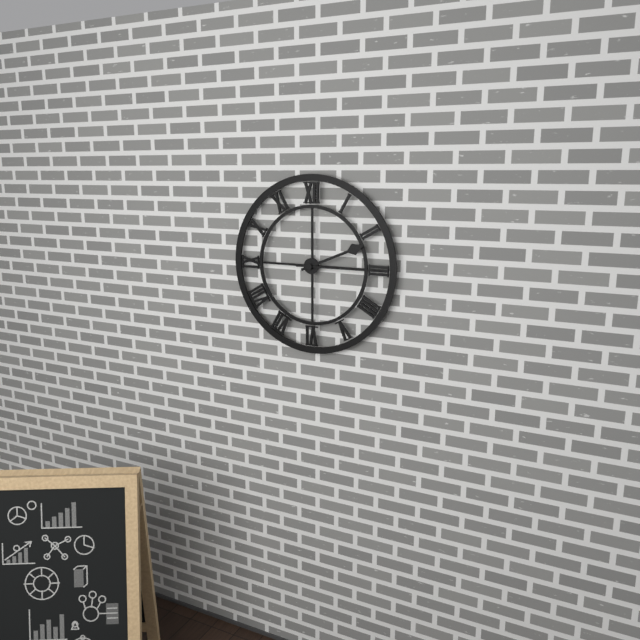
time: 2:15
